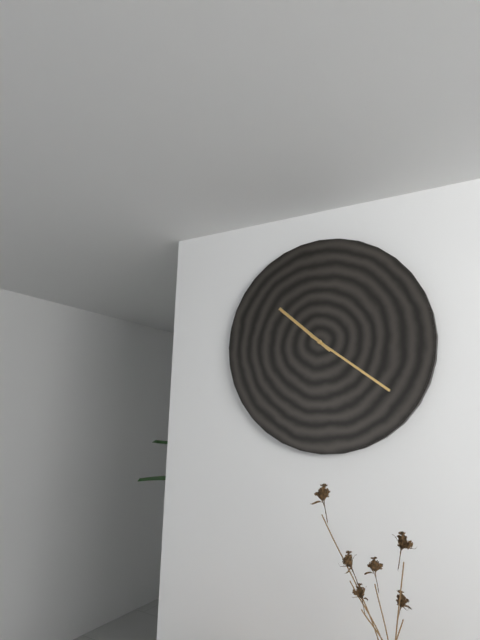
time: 10:21
